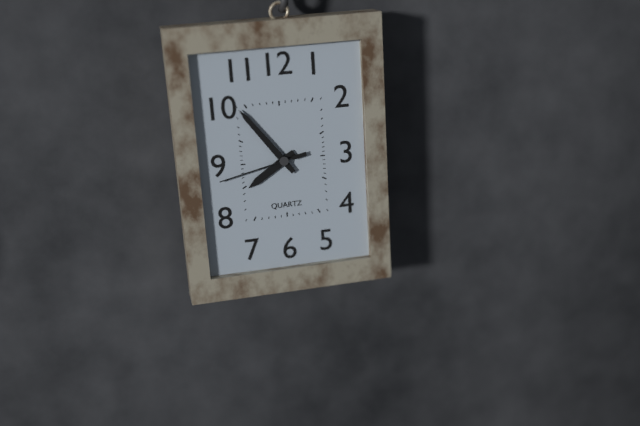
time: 7:54:43
